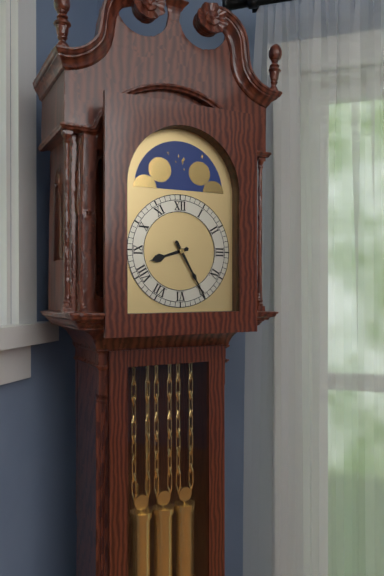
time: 8:25
